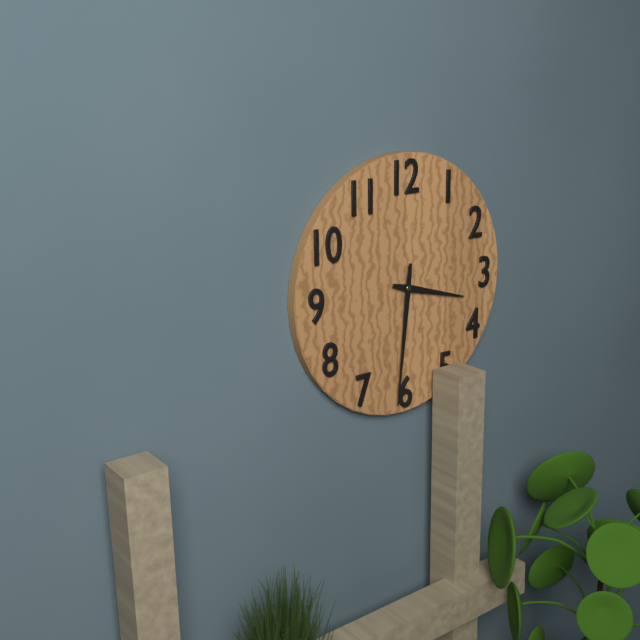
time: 3:31
